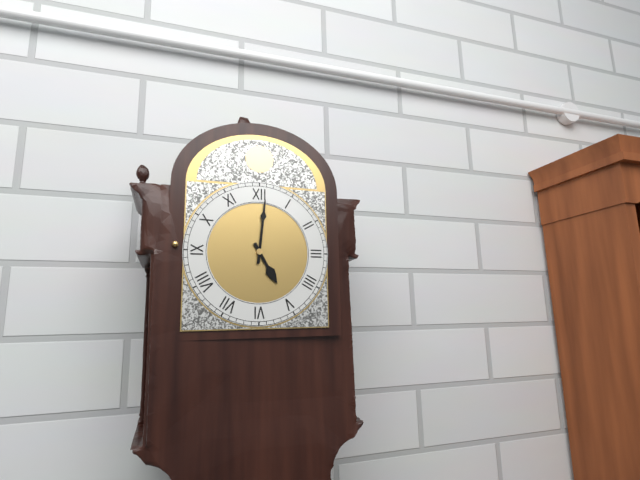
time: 5:01
